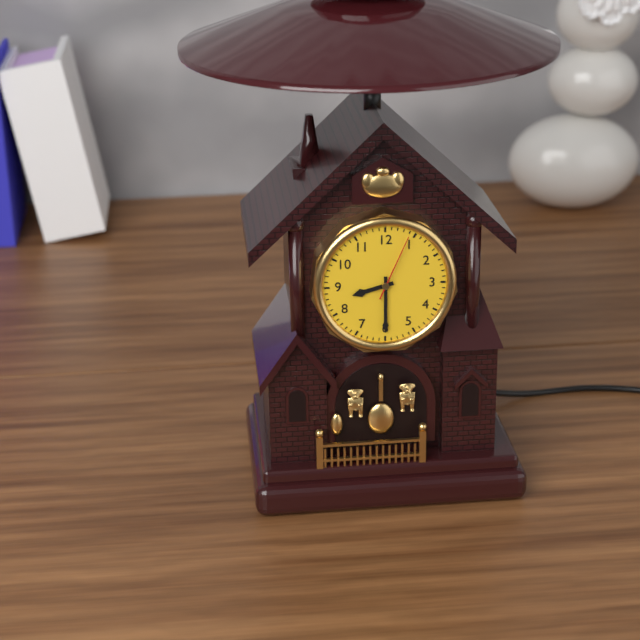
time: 8:30:04
